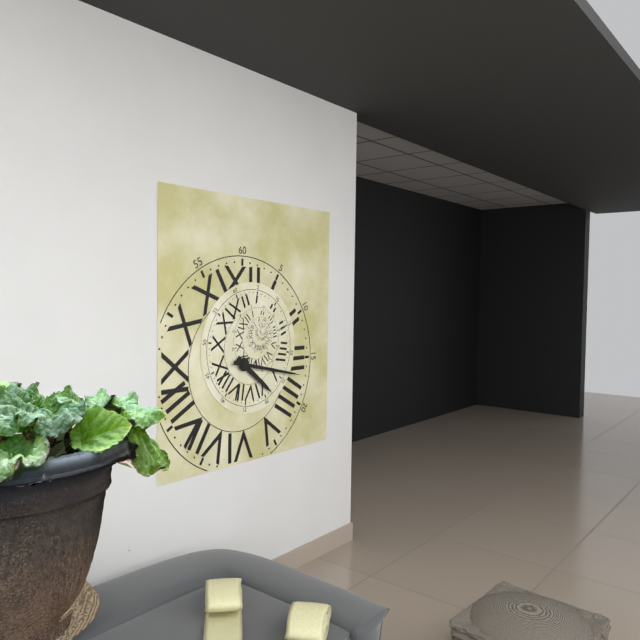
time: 4:17
